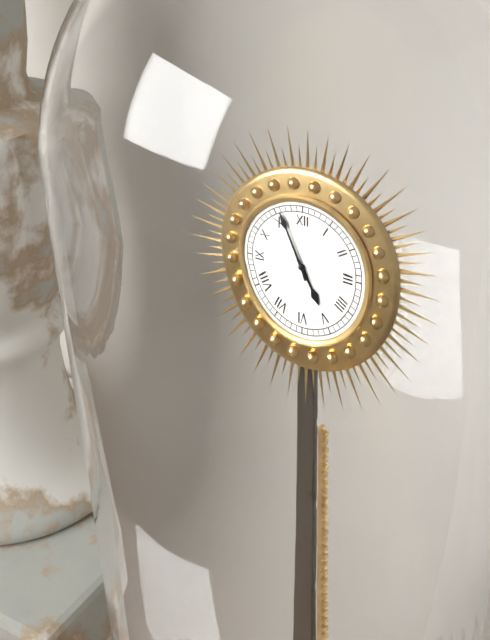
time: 4:56
